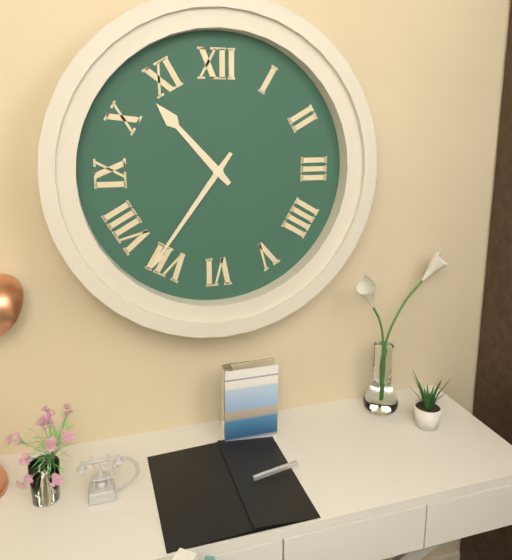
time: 10:36
